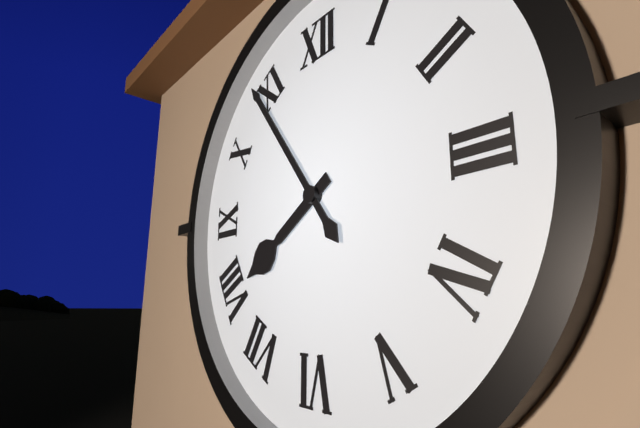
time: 7:54
